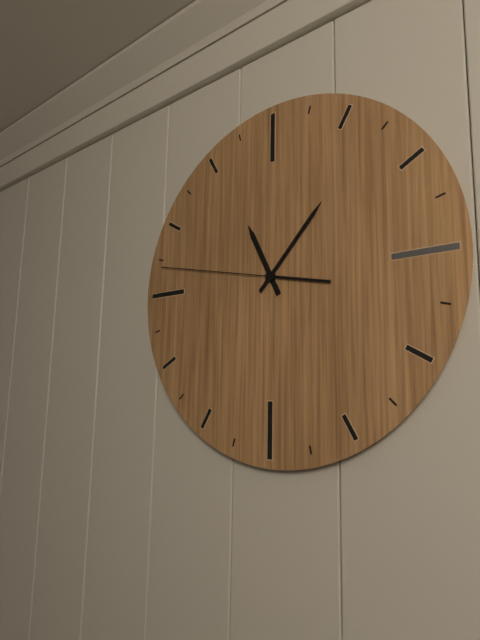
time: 11:07:47
